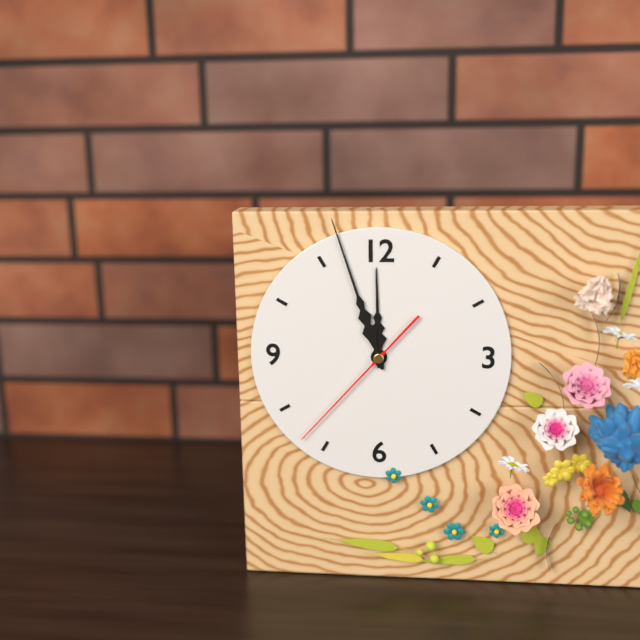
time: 11:57:37
